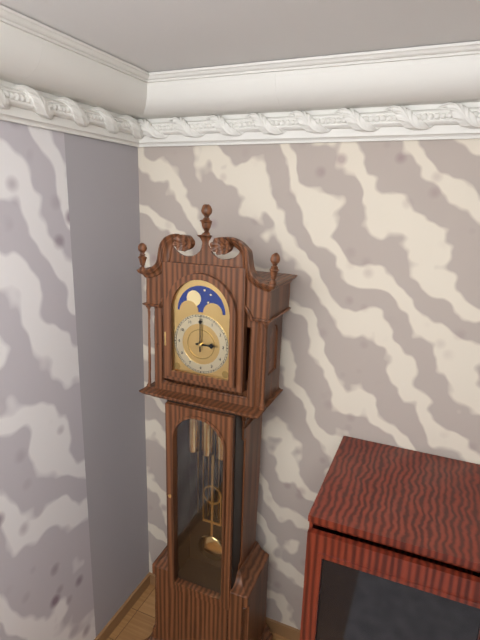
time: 3:00
